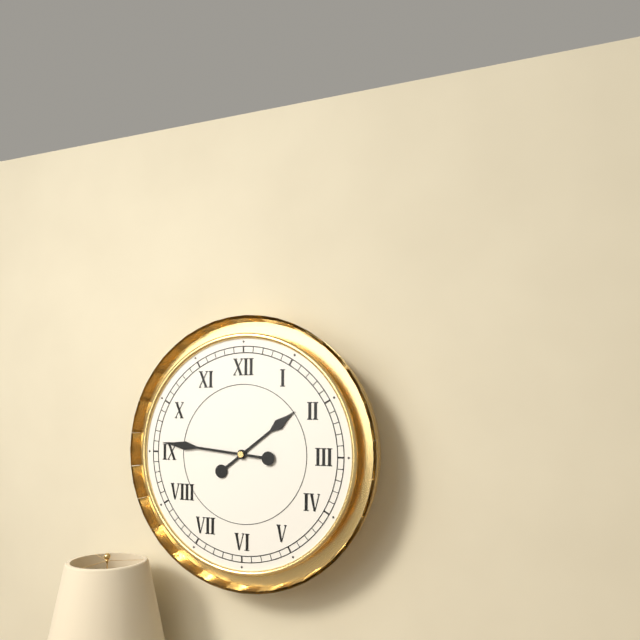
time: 1:46
